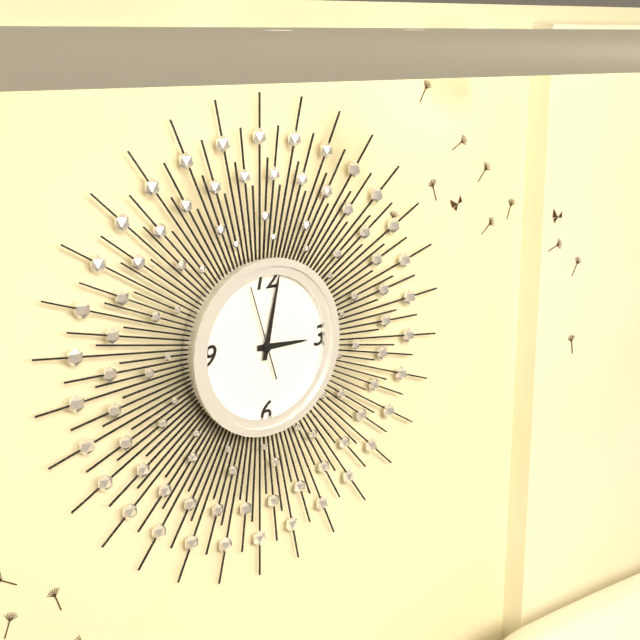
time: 3:02:57
